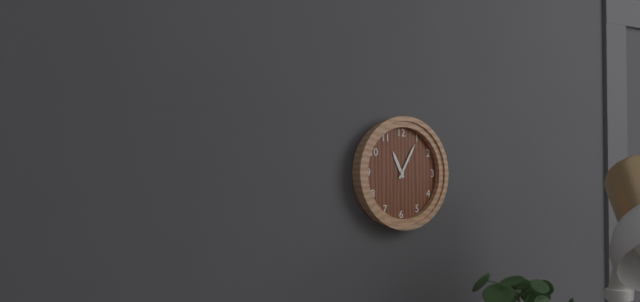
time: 11:05
